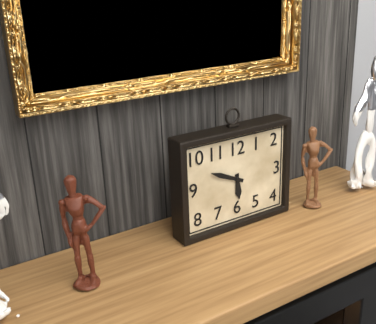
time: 5:49
